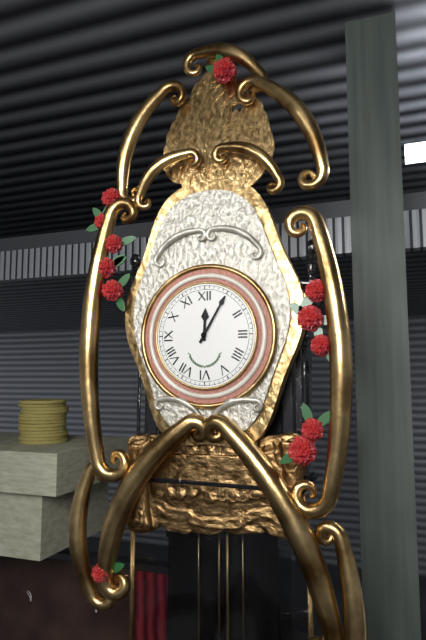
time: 12:05
